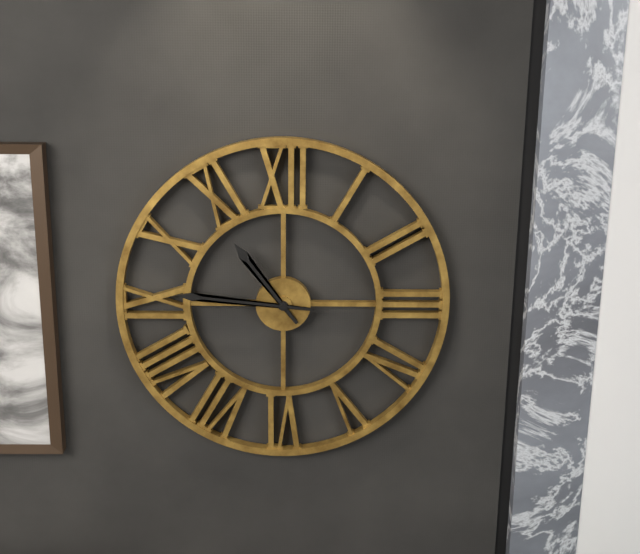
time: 10:46
